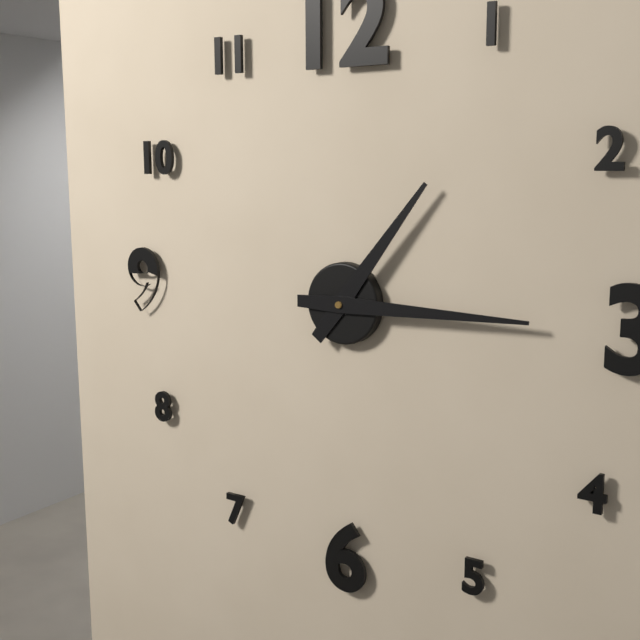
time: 1:15
